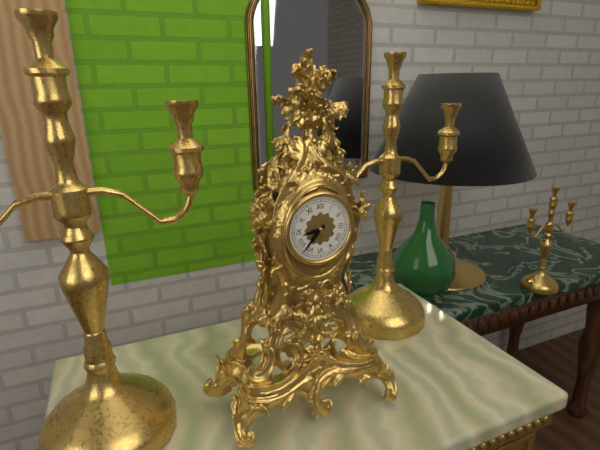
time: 8:37
